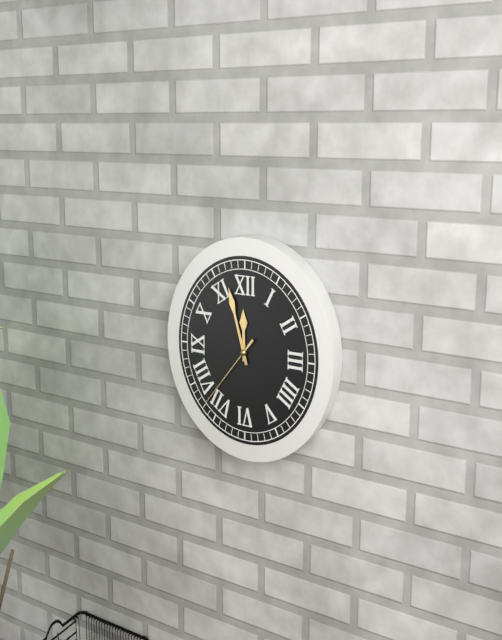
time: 11:57:37
